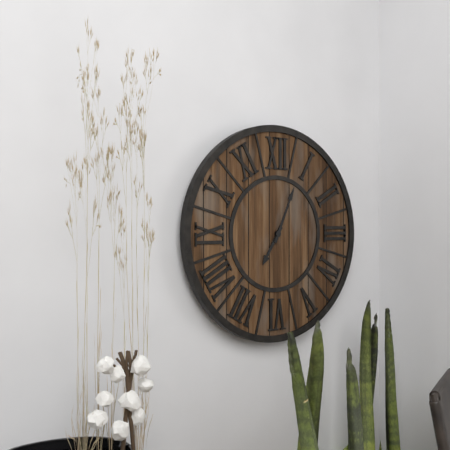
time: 7:04
